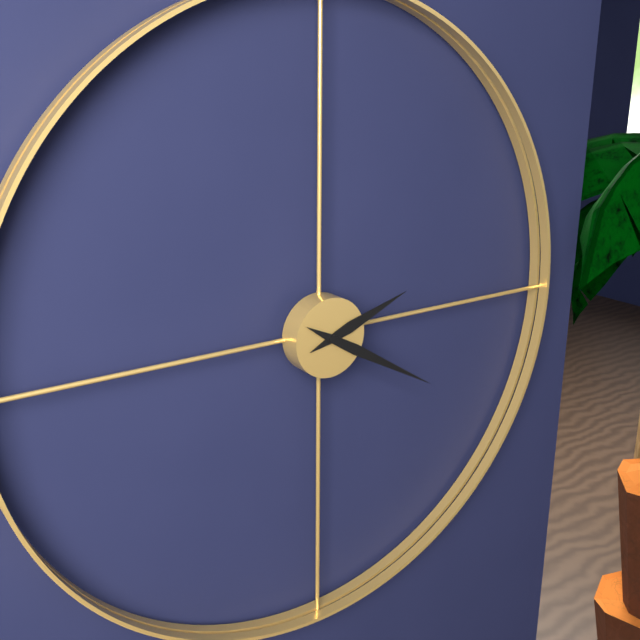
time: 2:20
